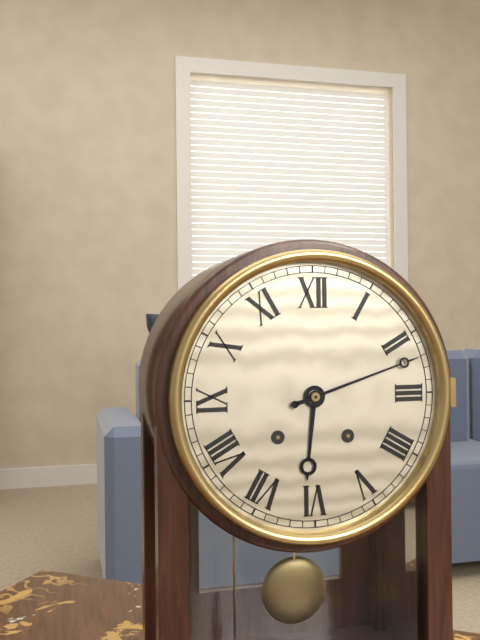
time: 6:12
